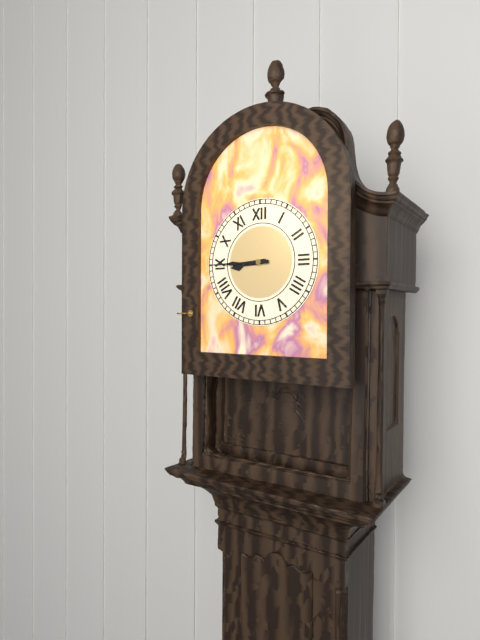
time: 8:45
